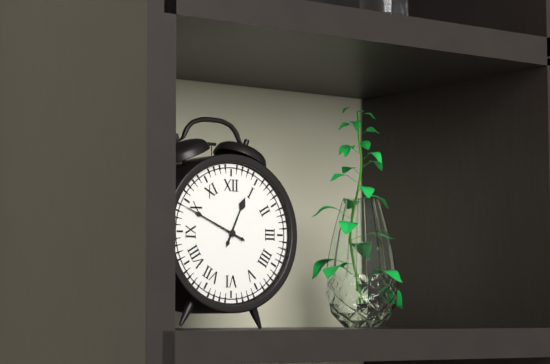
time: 12:49
